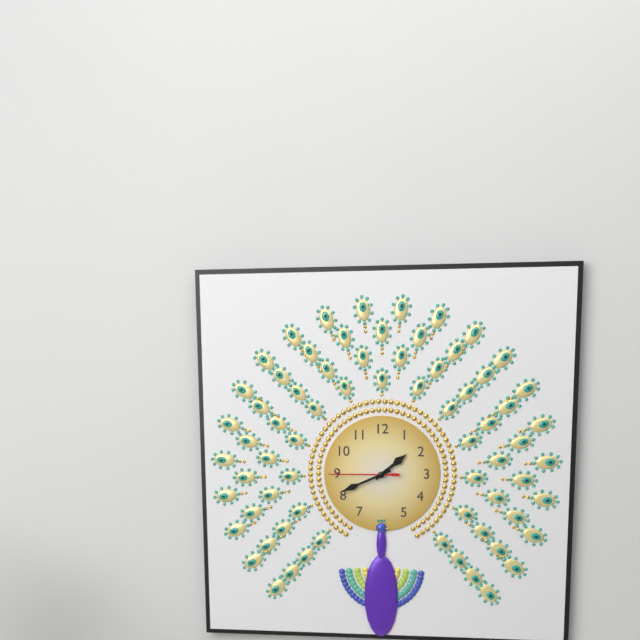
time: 1:41:45
